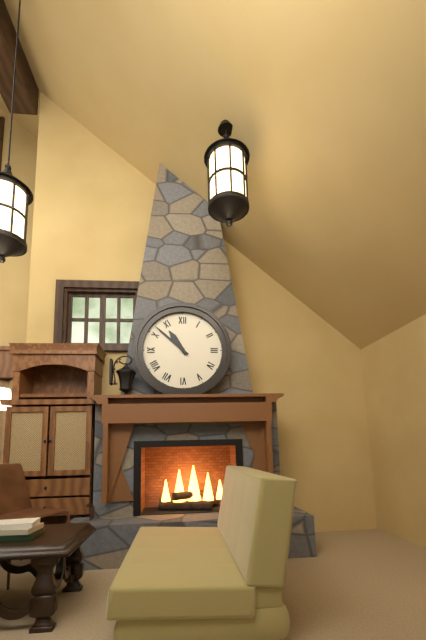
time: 10:52
